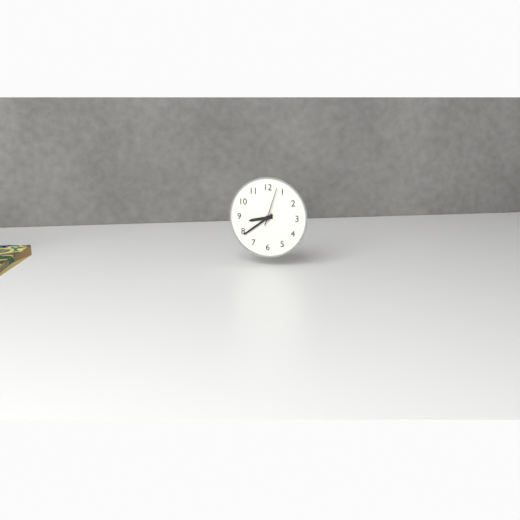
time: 8:39
